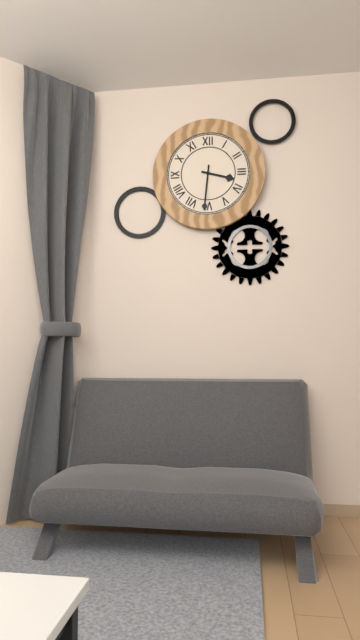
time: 3:31
